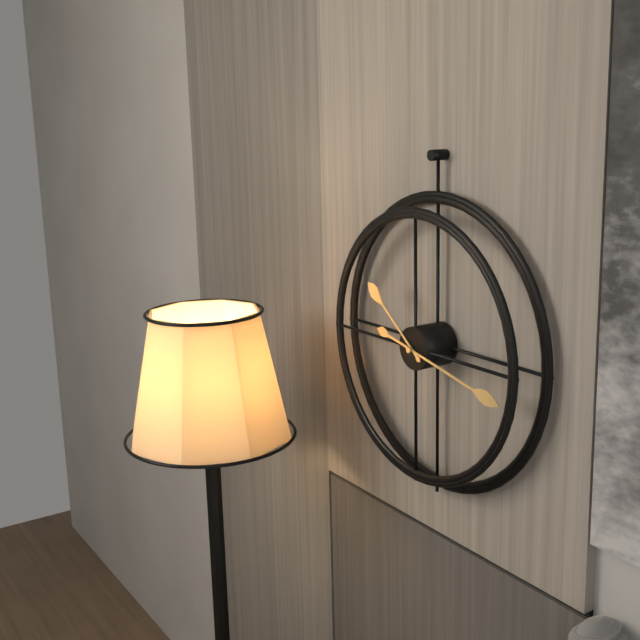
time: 10:17
